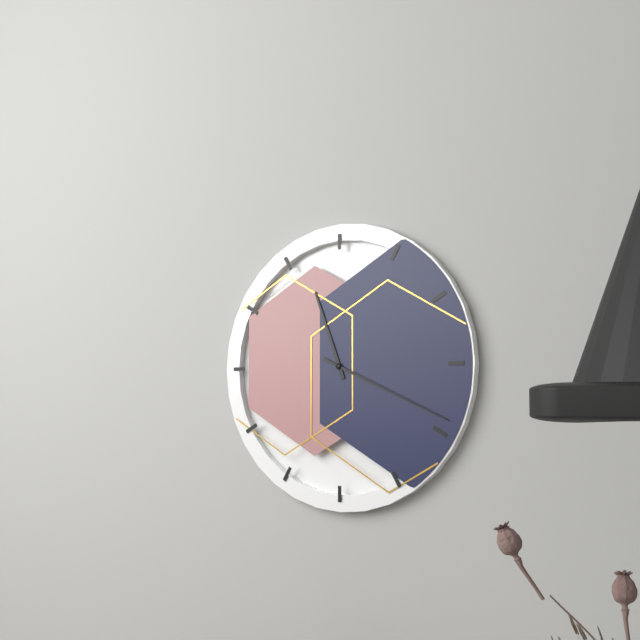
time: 11:19
